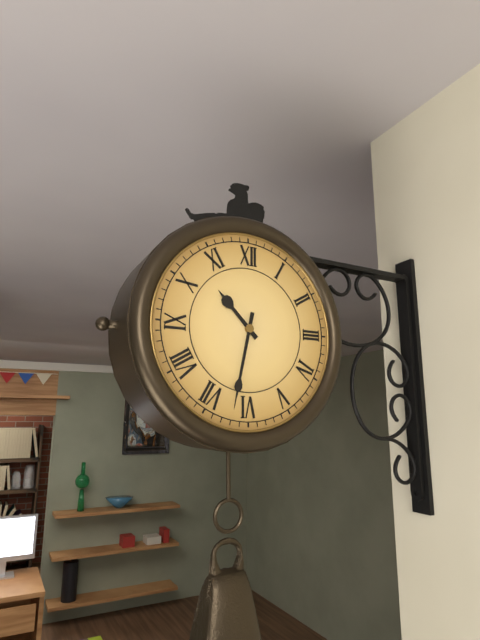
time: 10:32
